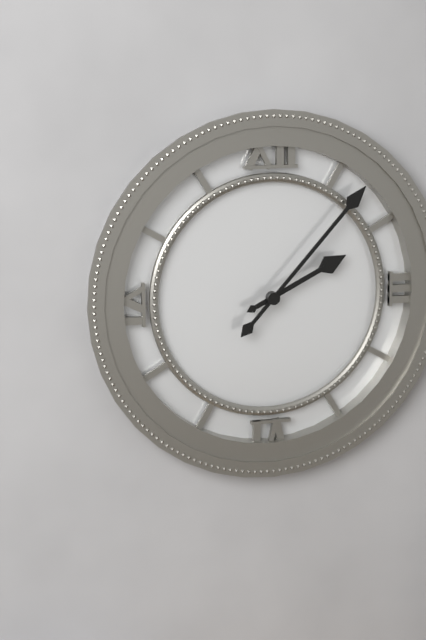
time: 2:07
